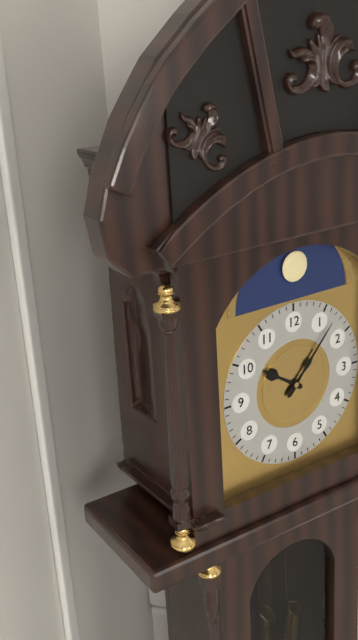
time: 10:07
